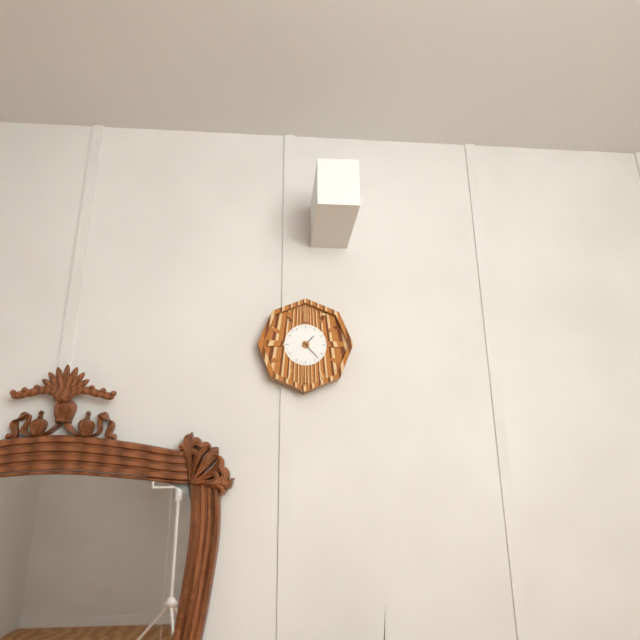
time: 1:23
